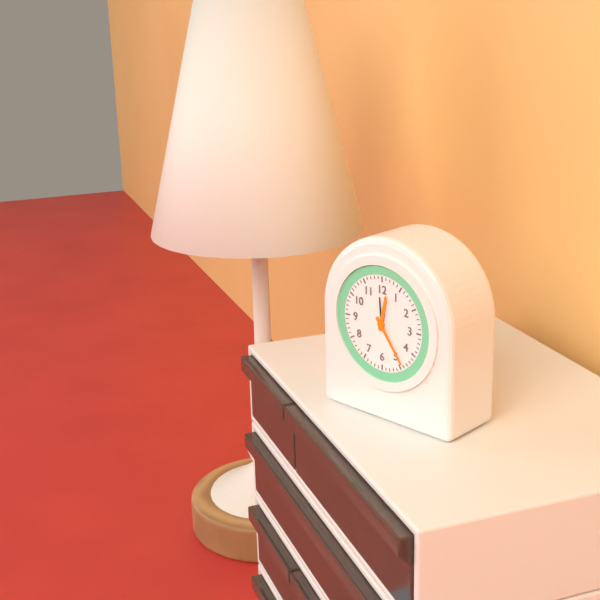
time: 12:24
